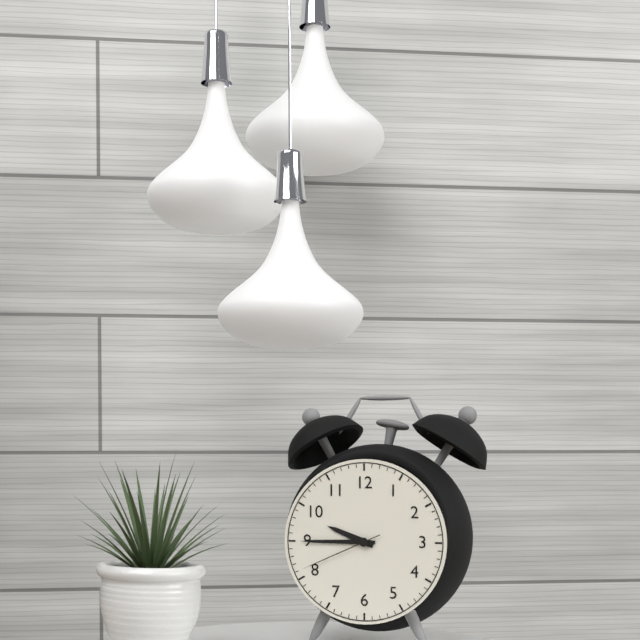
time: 9:45:41
